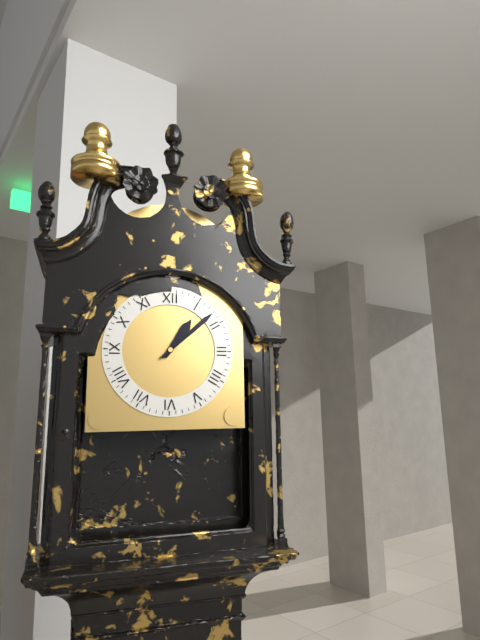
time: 1:08
